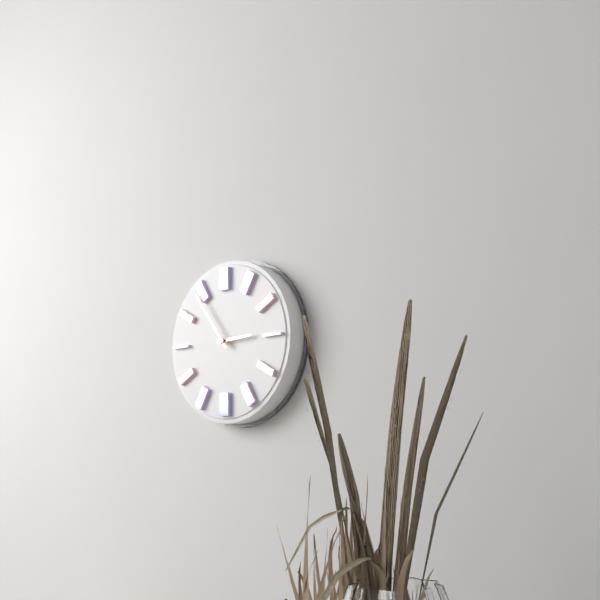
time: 2:54
